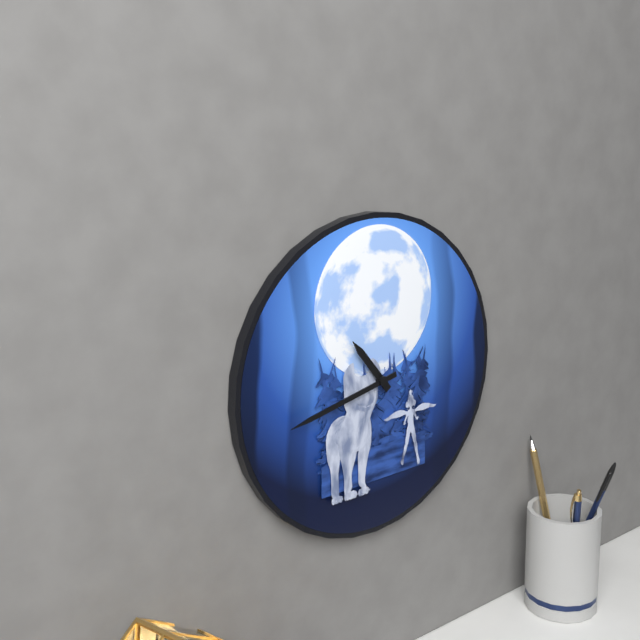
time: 10:43
